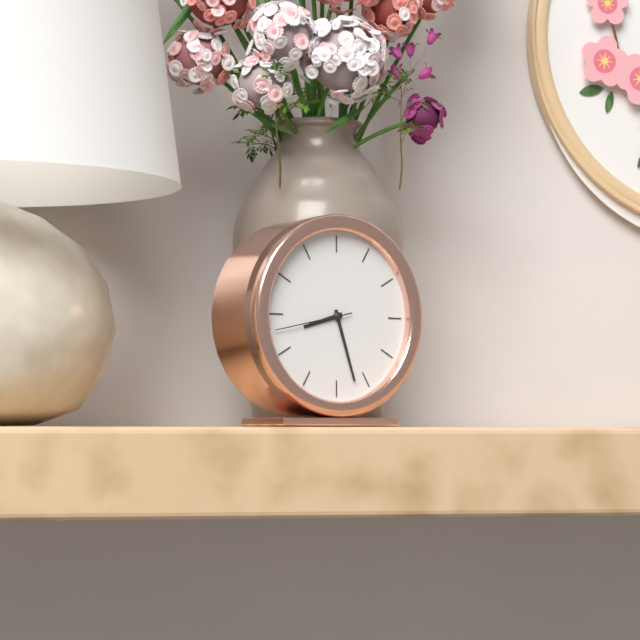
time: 8:27:43
